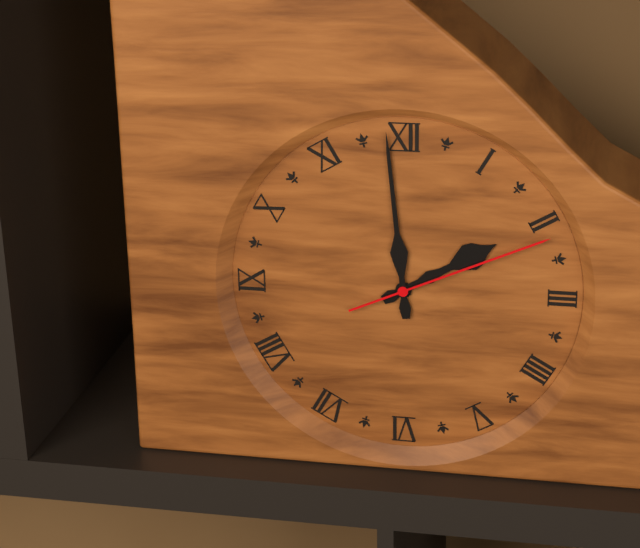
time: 1:59:11
